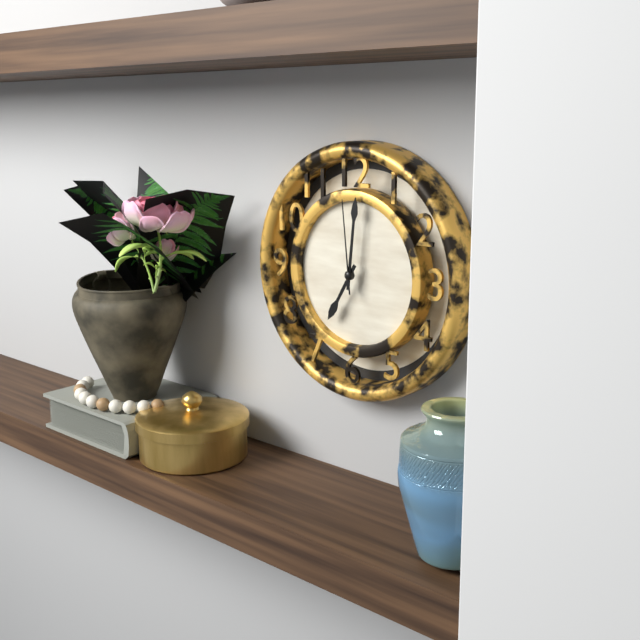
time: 7:01:59
